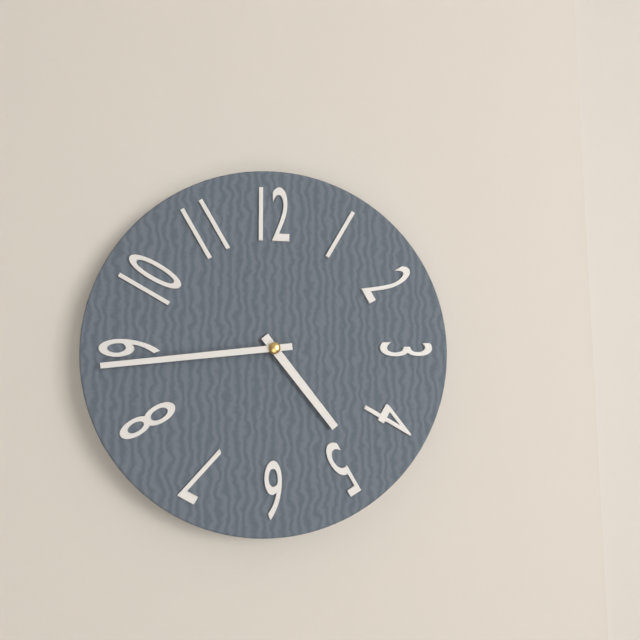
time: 4:44
